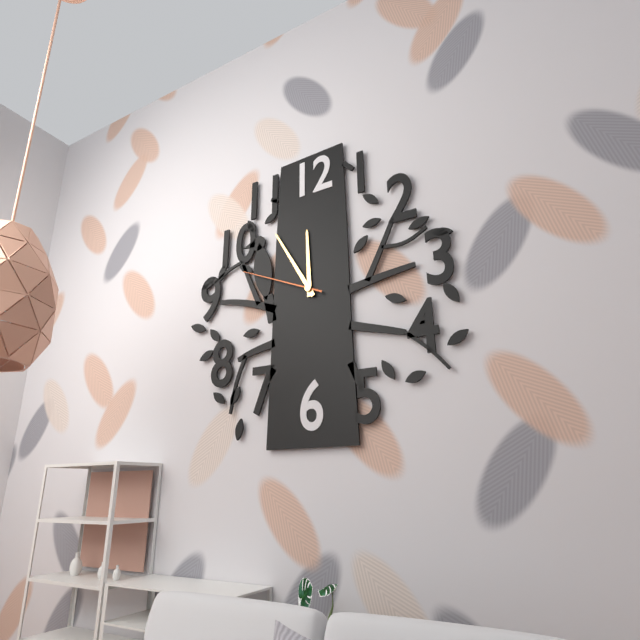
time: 11:55:49
